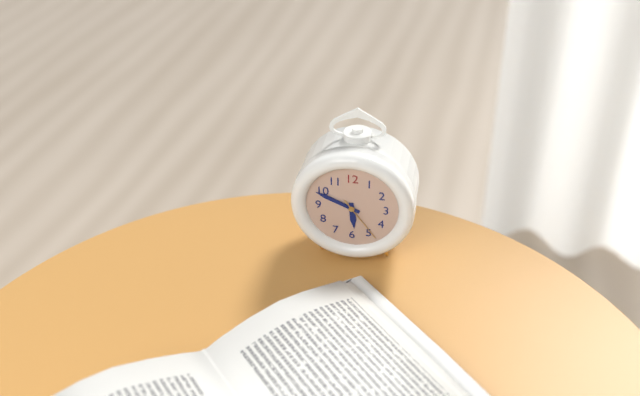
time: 5:49
